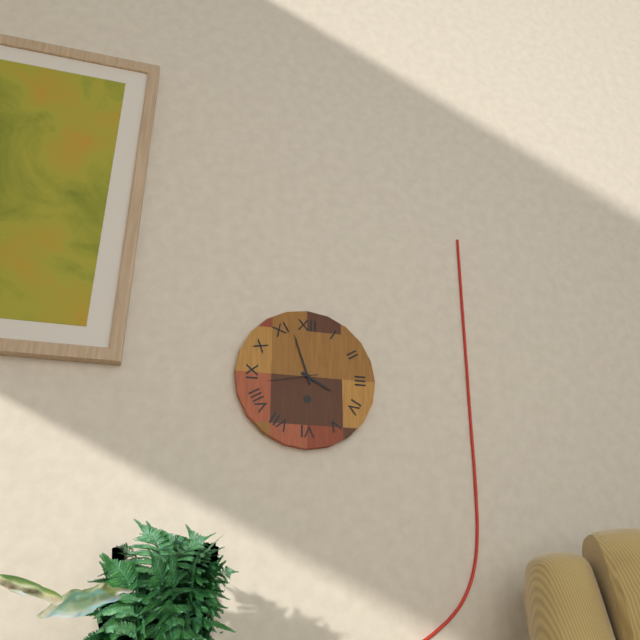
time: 3:57:43
